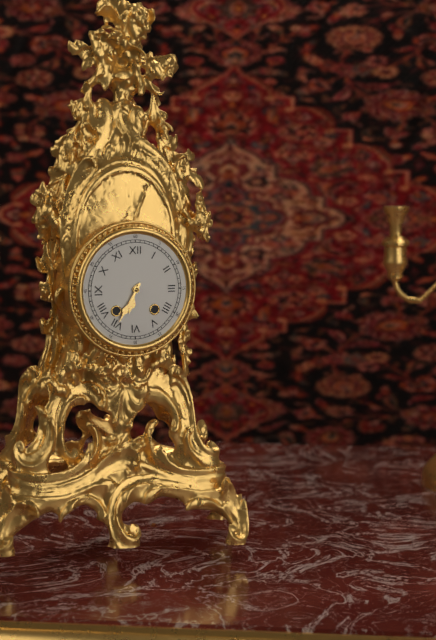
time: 6:35
